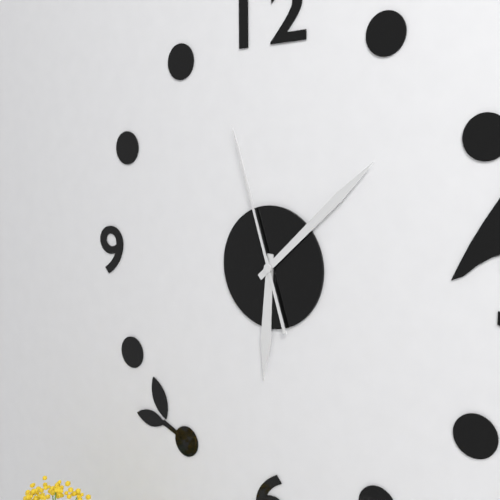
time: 6:08:57
